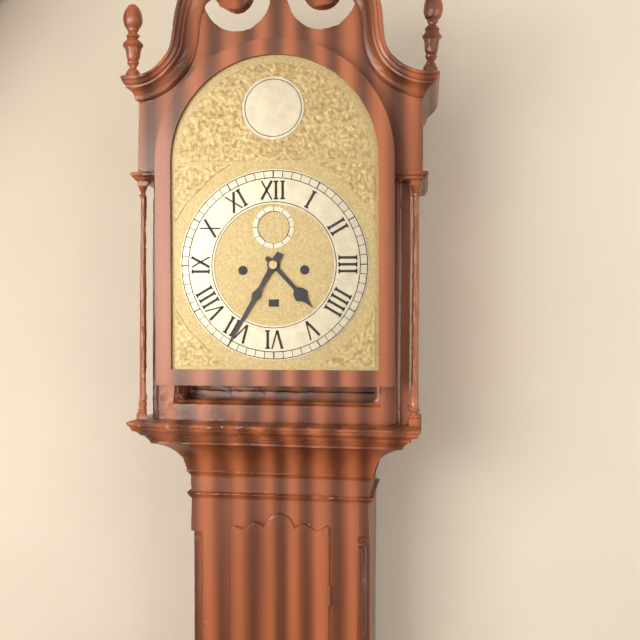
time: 4:35
